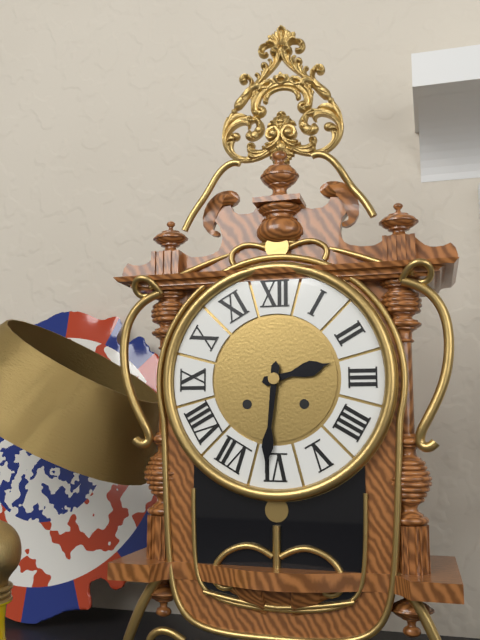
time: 2:31
